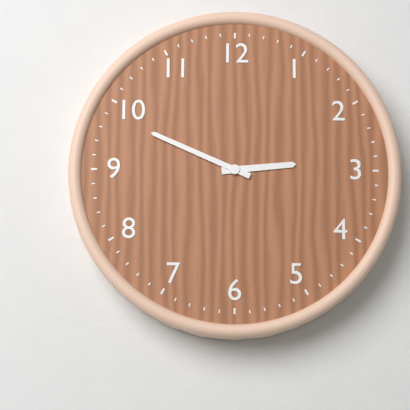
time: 2:49
